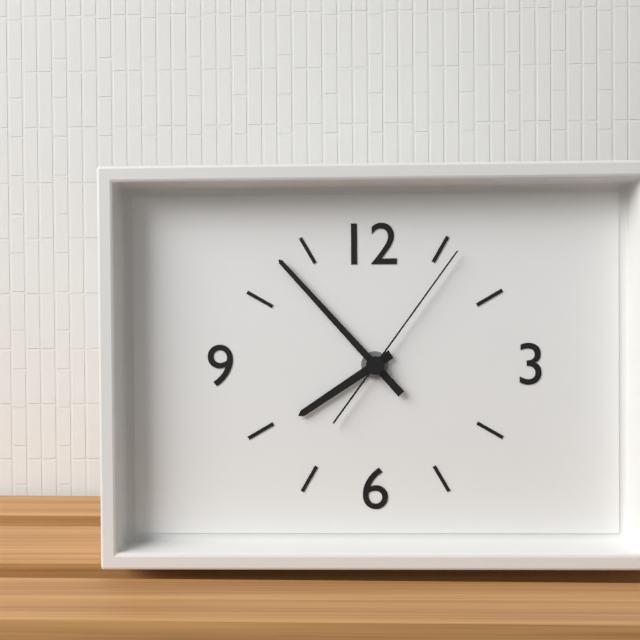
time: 7:53:06
